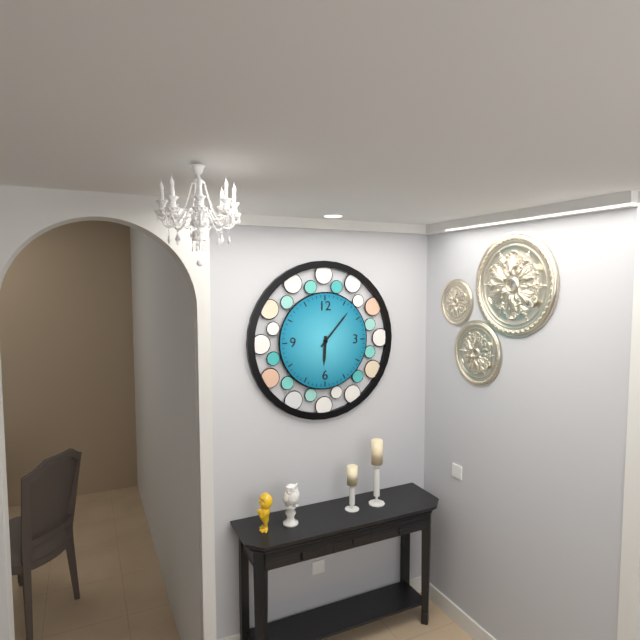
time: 6:07
